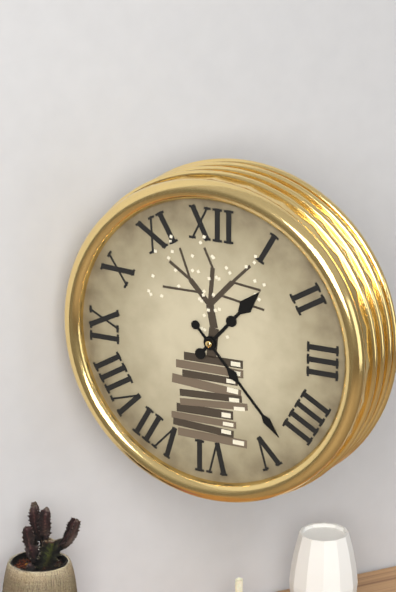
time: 1:23
